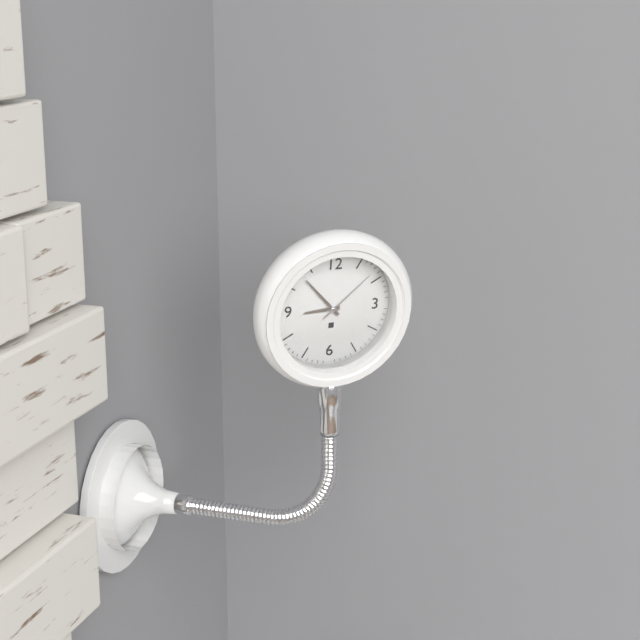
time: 8:53:08
